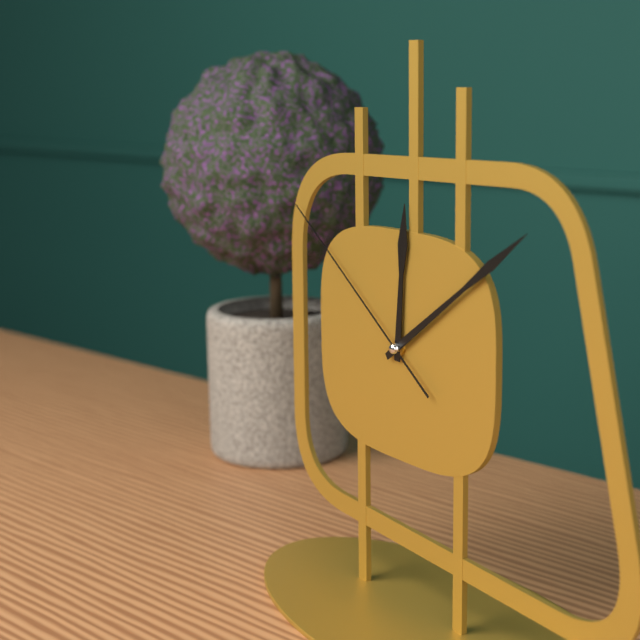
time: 12:09:51
